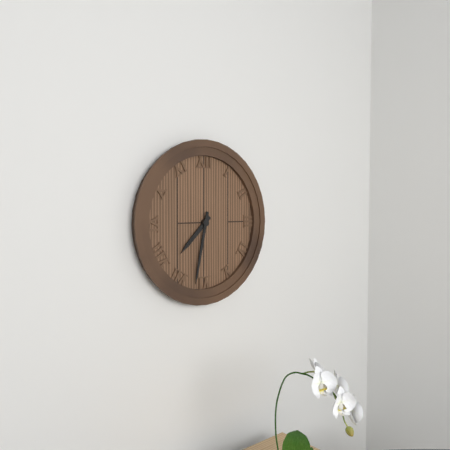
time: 7:32
